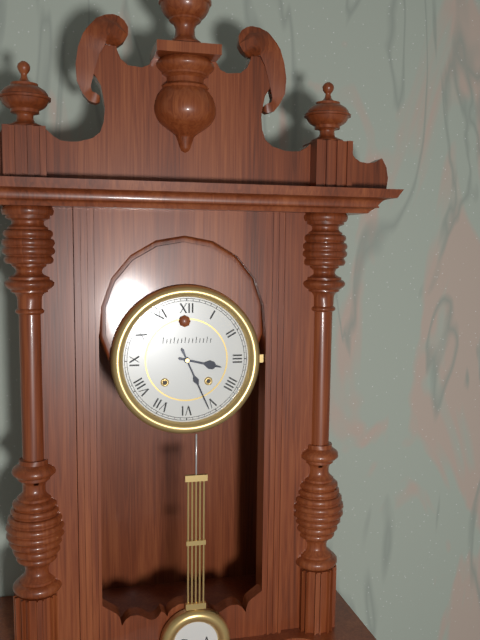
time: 3:26
